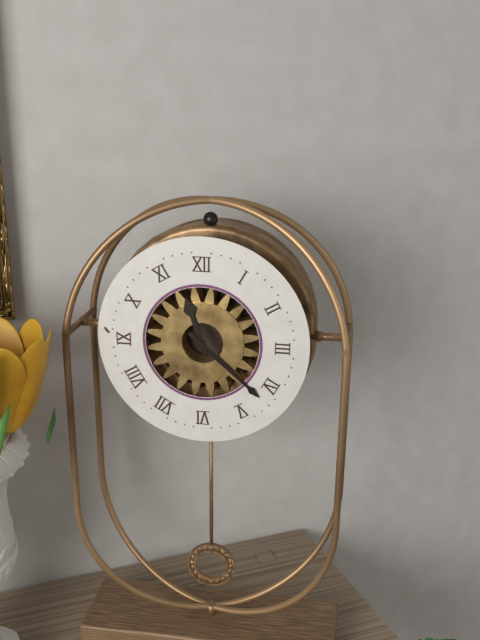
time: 11:22
